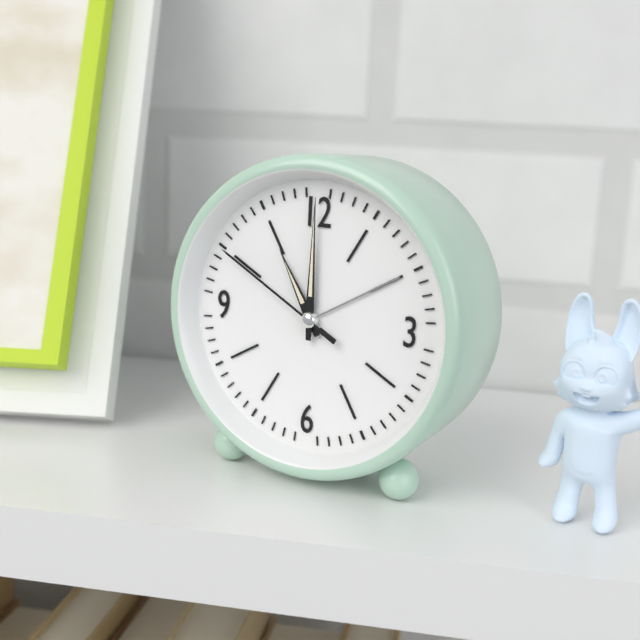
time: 11:00:50
